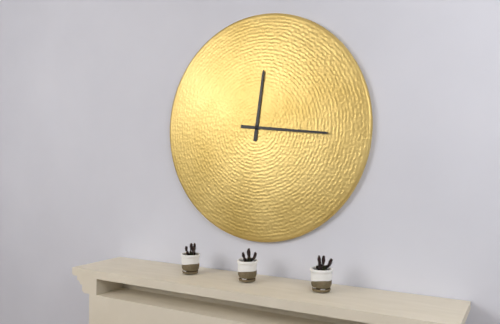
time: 12:16
